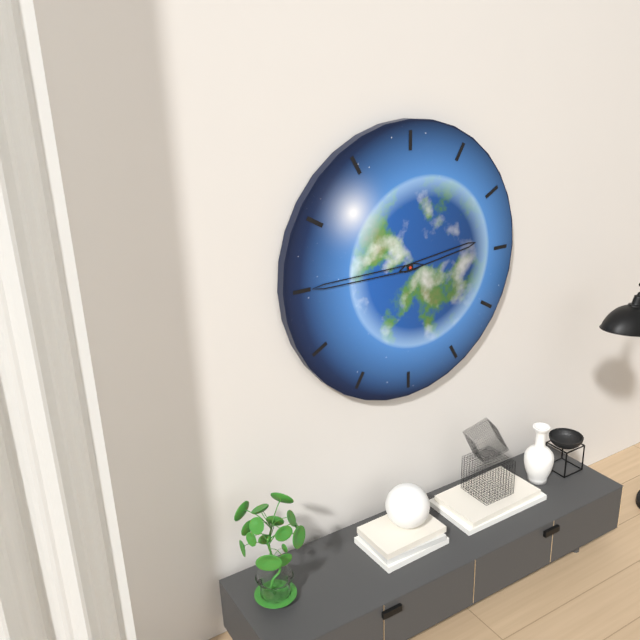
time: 2:45
